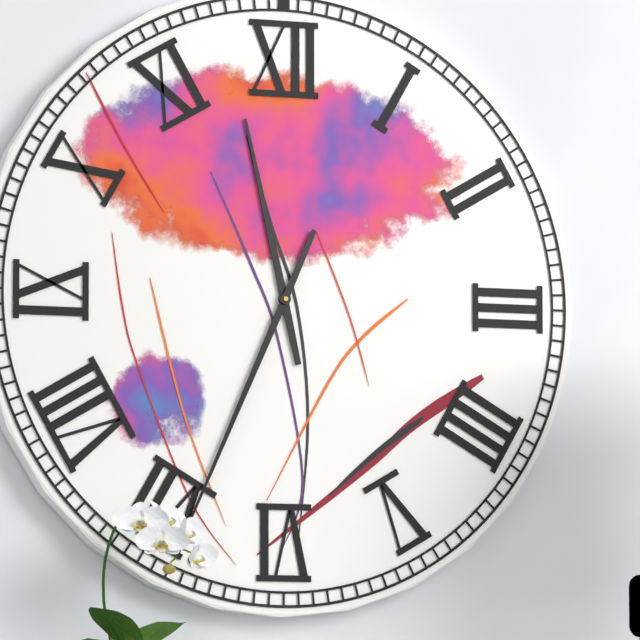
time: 11:34
